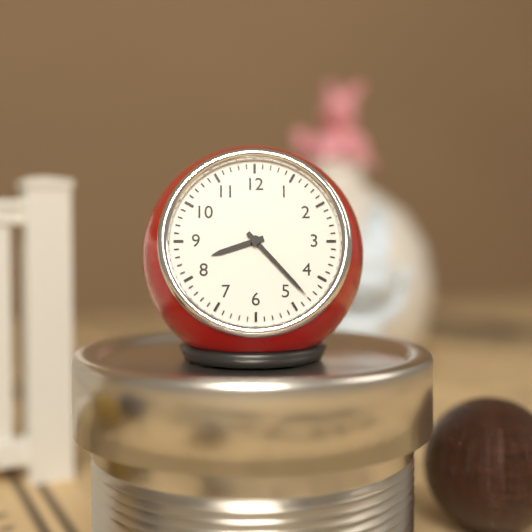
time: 8:23
